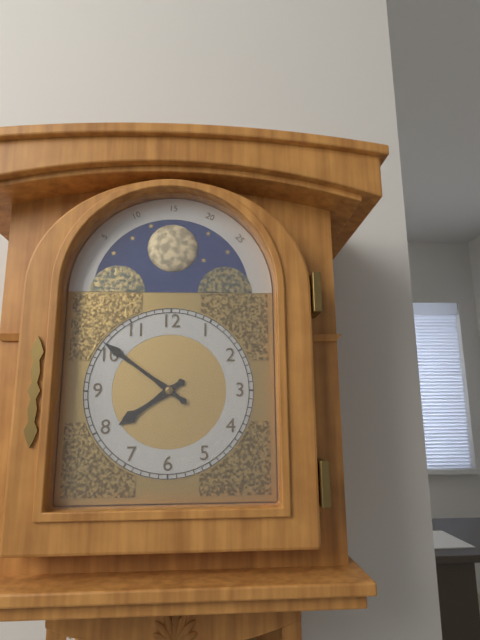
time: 7:51
